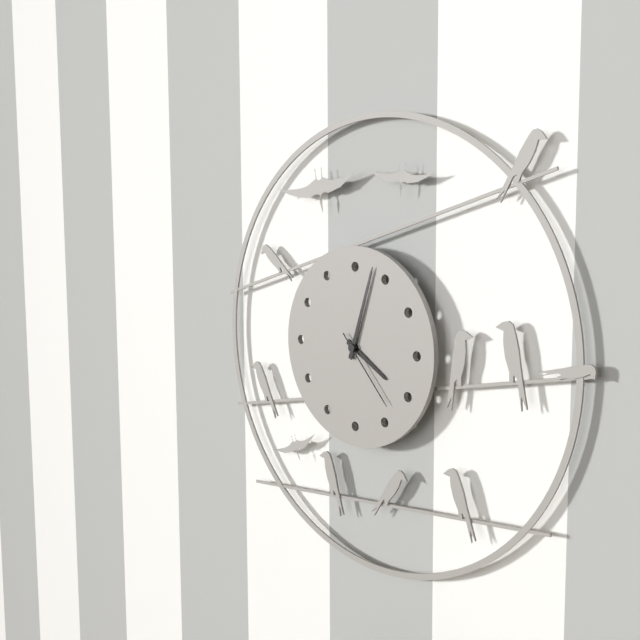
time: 4:03:23
